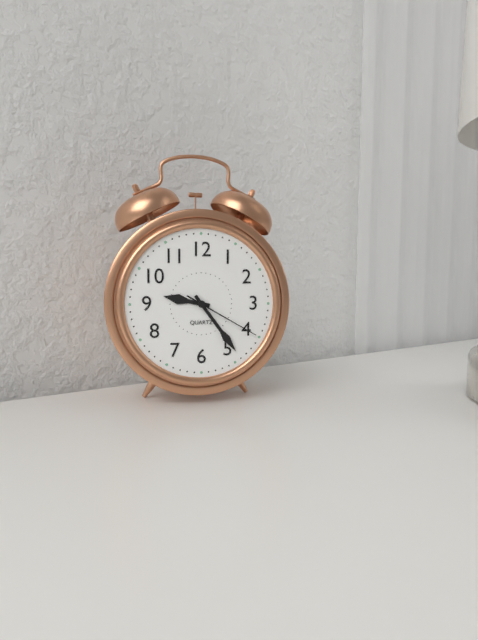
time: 9:24:20
